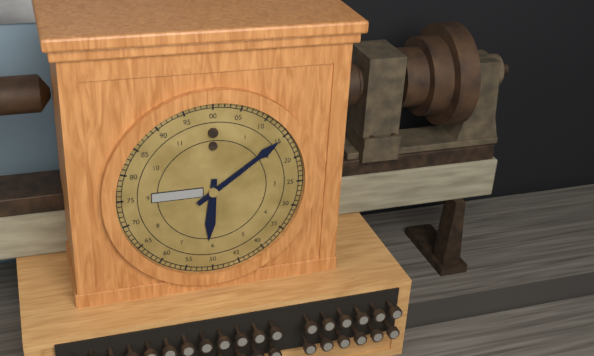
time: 6:09
